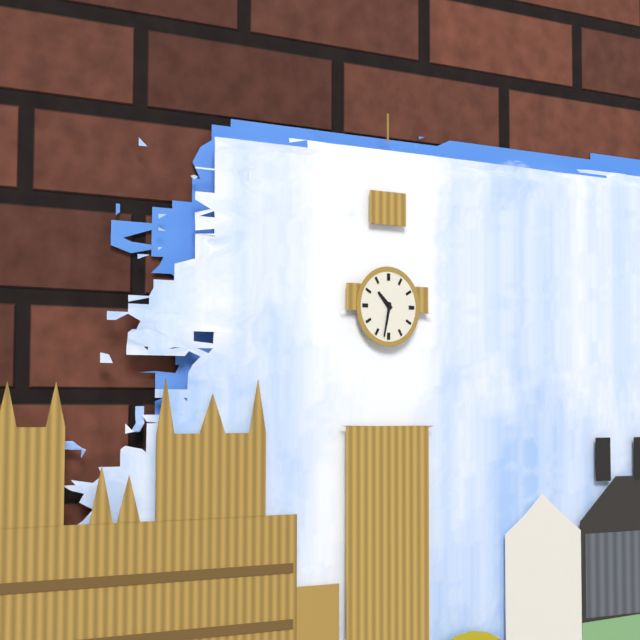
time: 10:32
